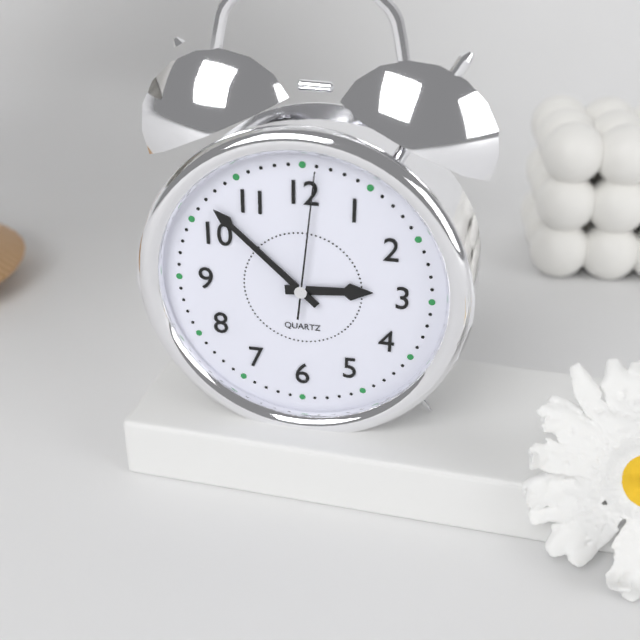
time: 2:52:01
